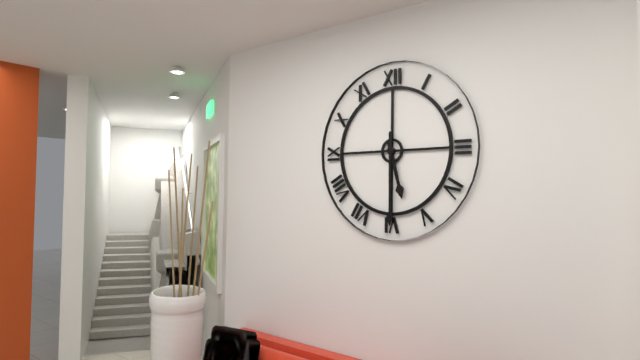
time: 5:30
